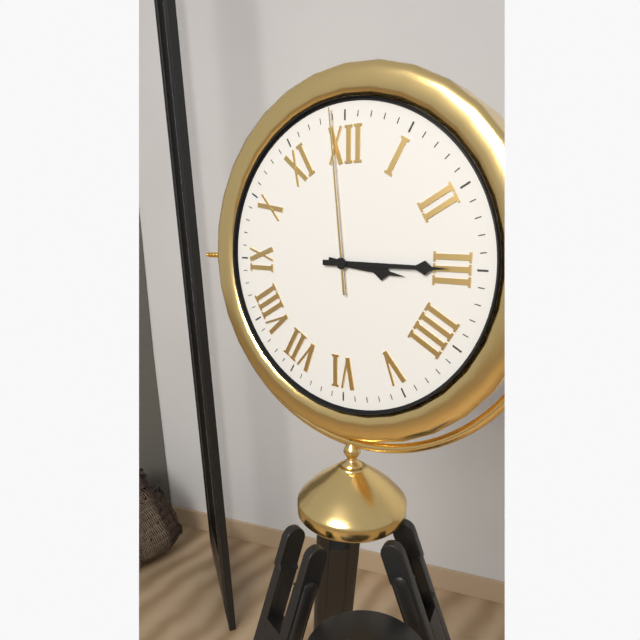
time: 3:15:59
